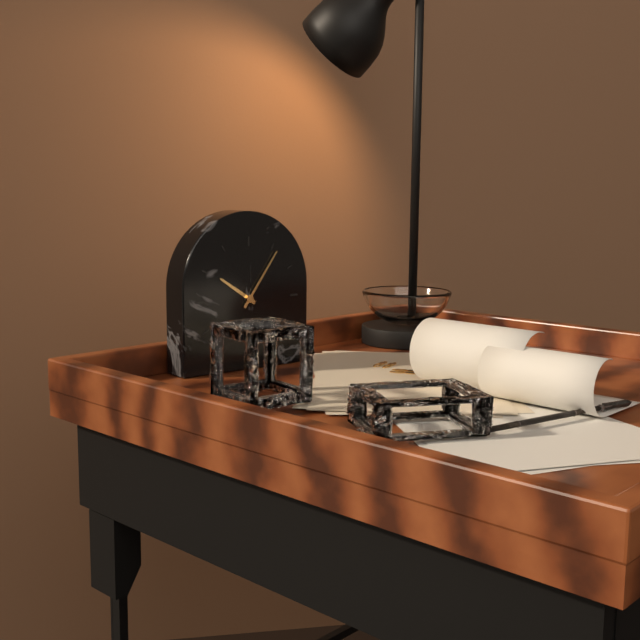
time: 10:06
